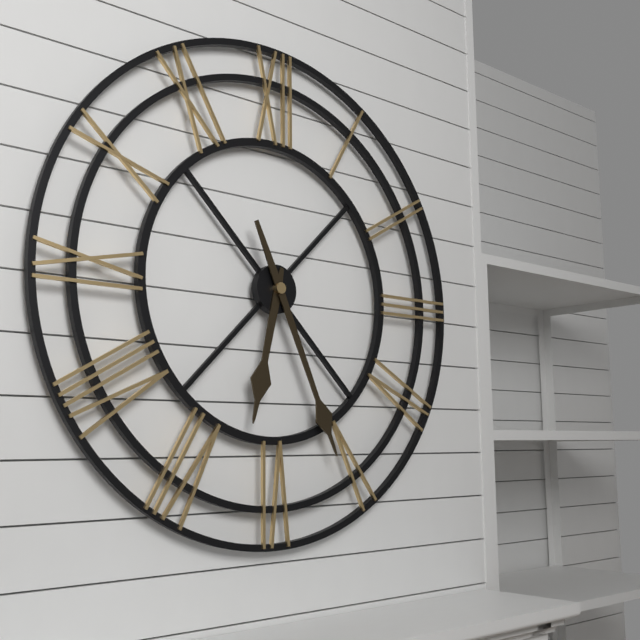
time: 6:26
